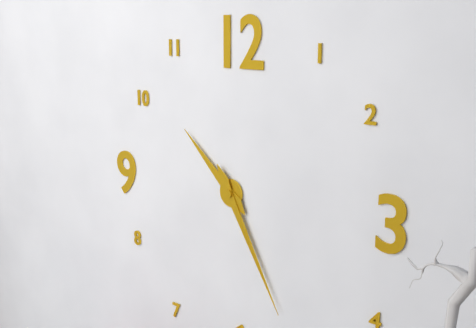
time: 10:25
